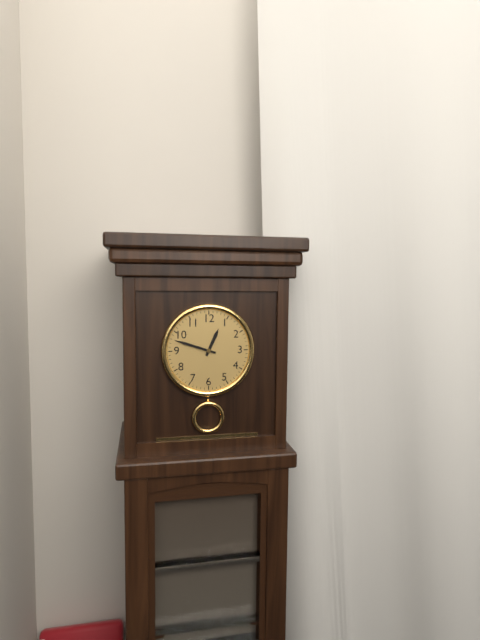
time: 12:48
